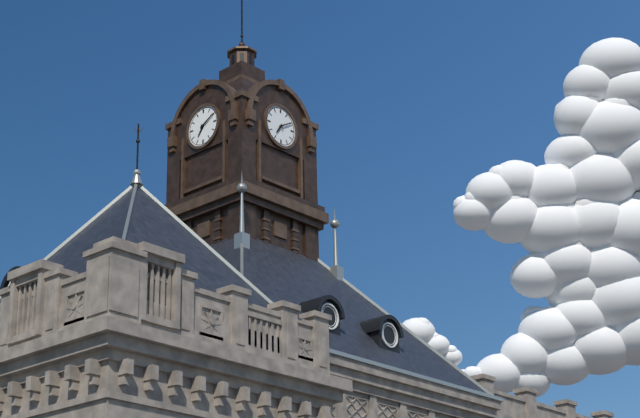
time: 7:10
